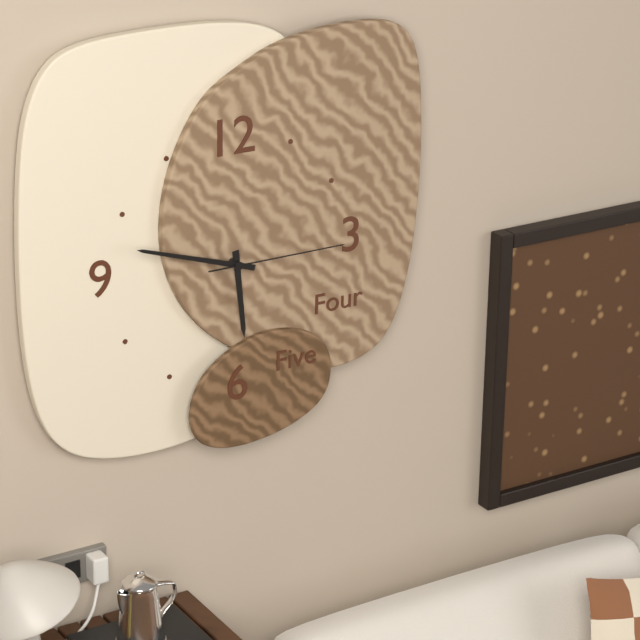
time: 5:48:15
